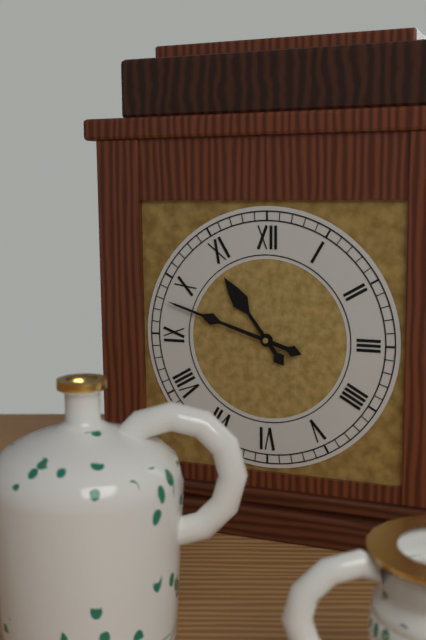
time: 10:48
